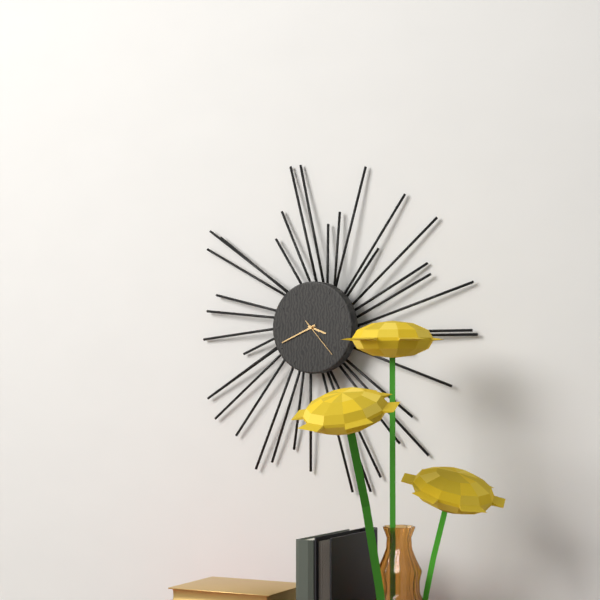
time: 3:41
